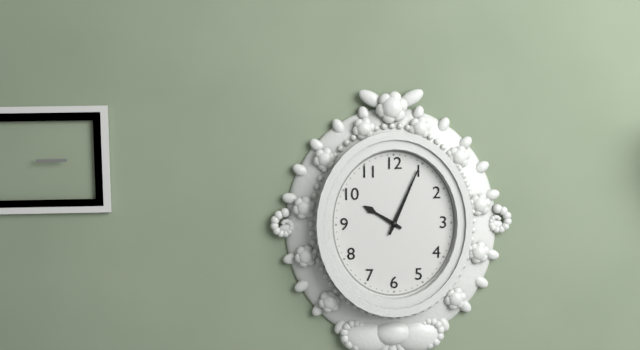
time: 10:04
